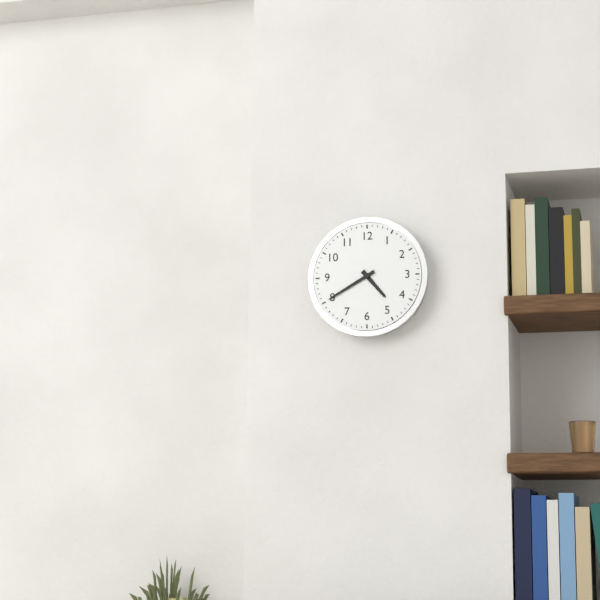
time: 4:40
